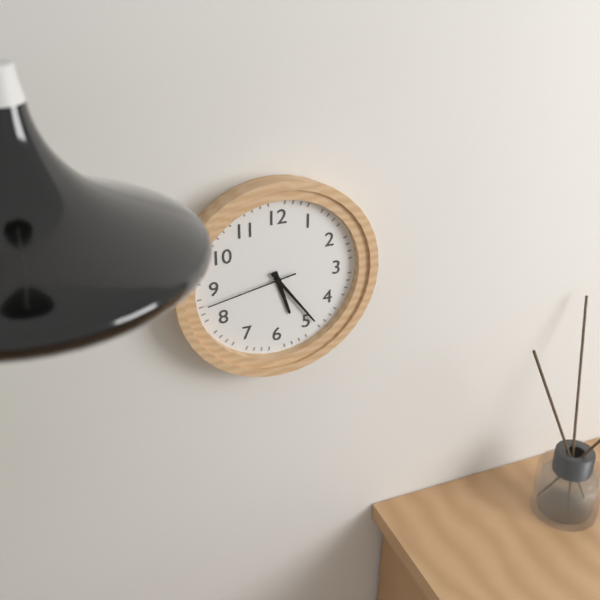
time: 5:24:43
